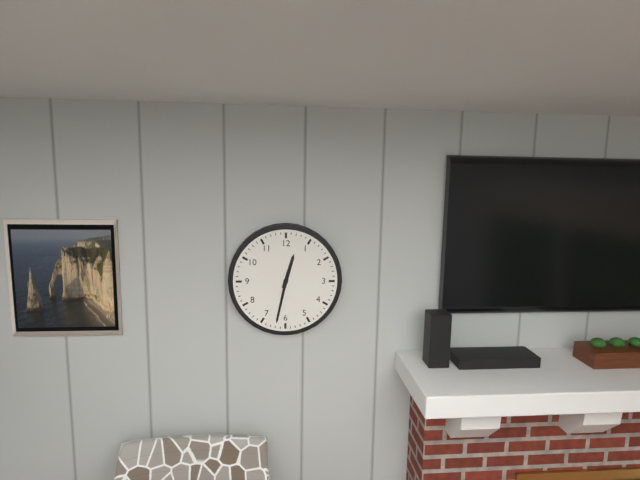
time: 12:32
